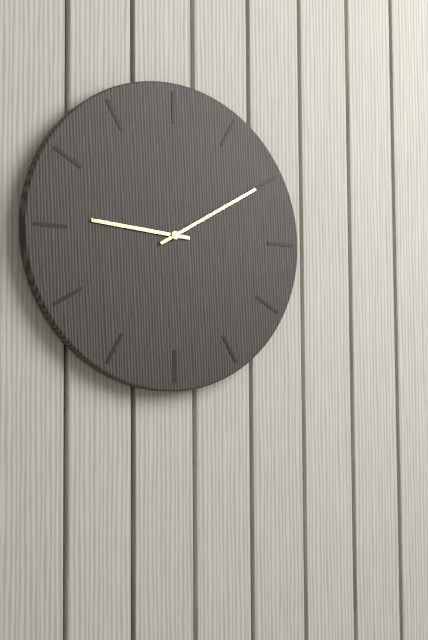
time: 9:10
